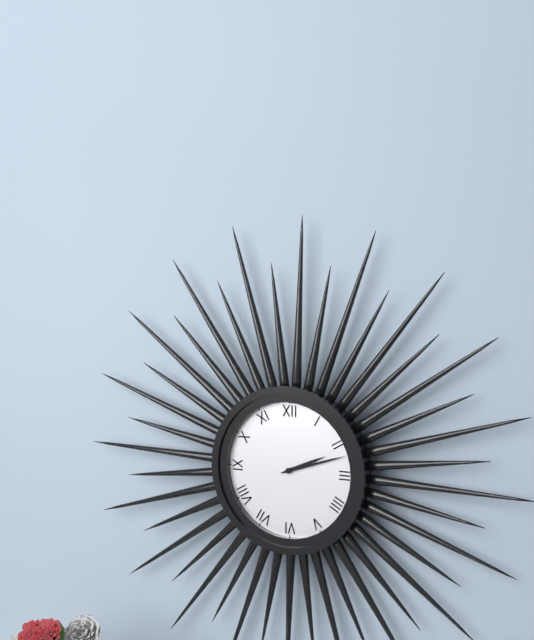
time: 2:12
